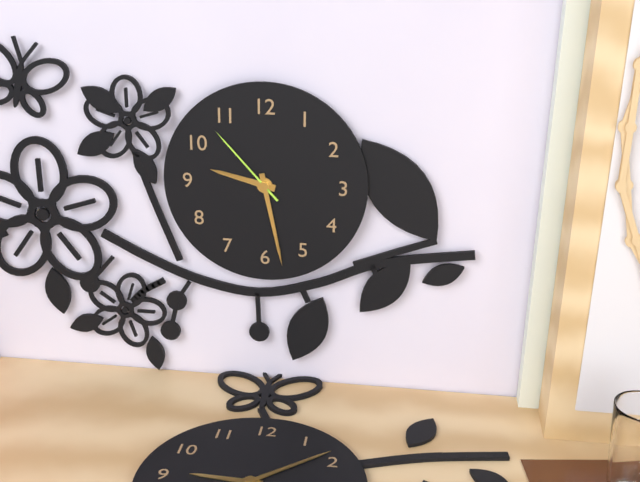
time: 9:28:53
